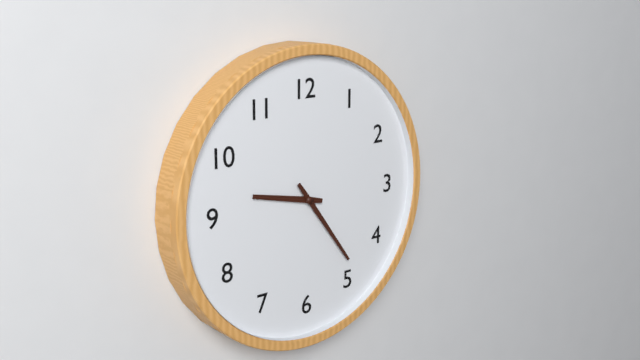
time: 9:24
